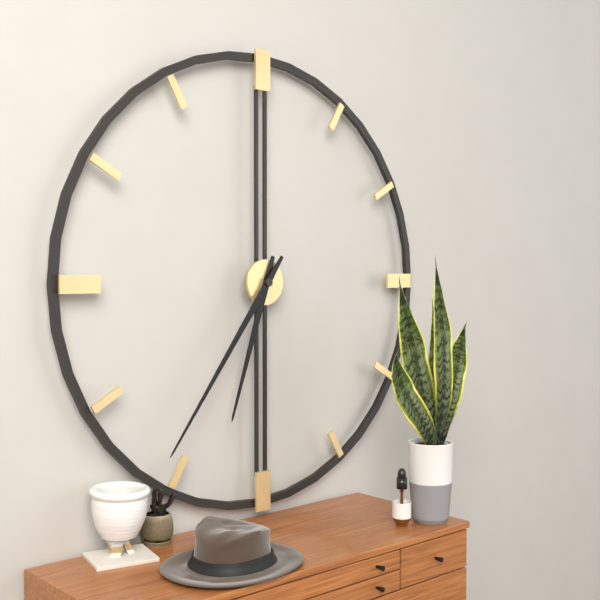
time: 6:36
